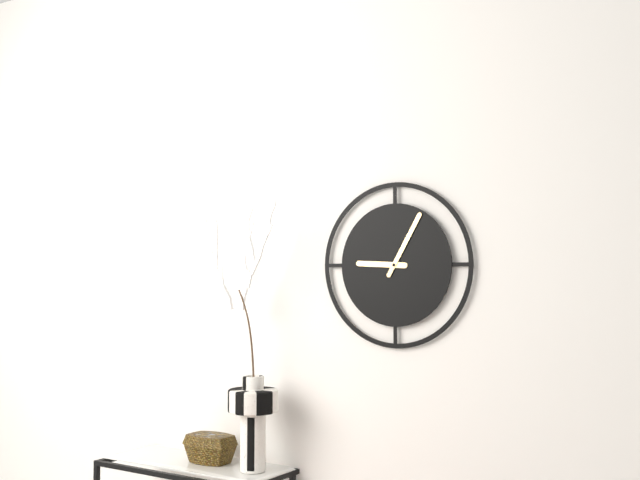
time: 9:05
